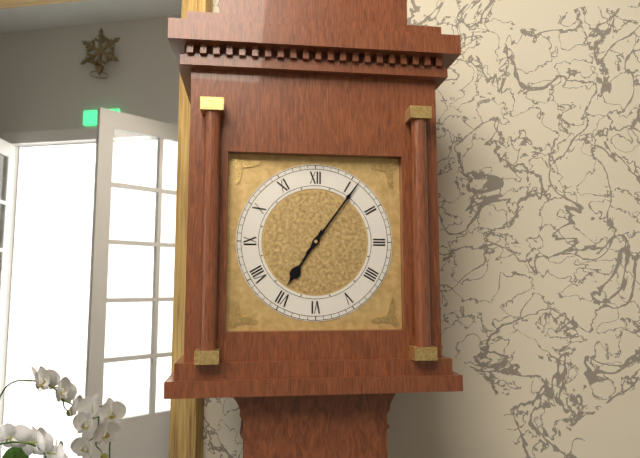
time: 7:06
